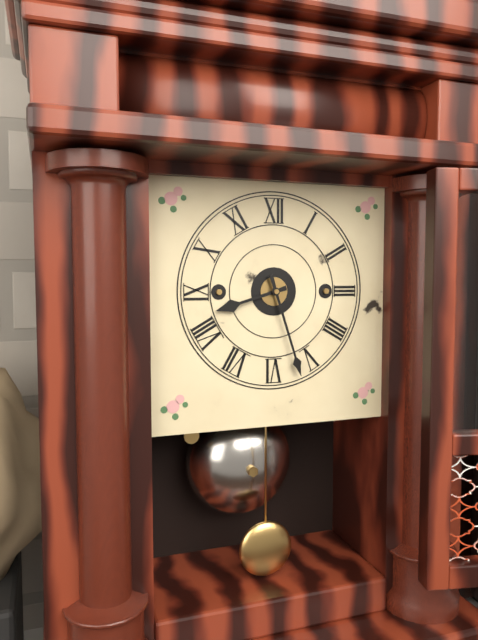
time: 8:27
